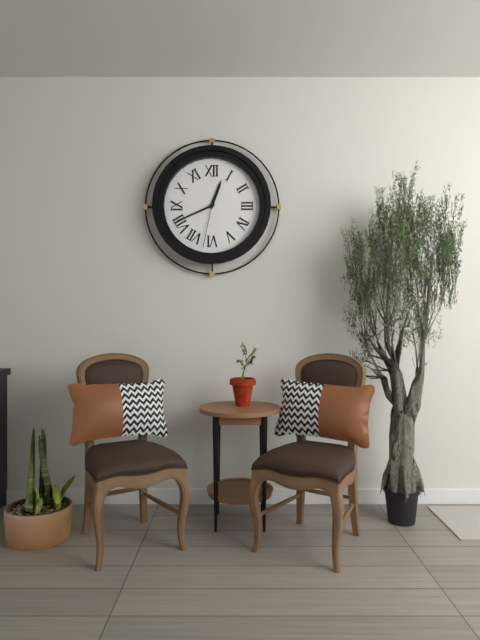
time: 12:41:32
